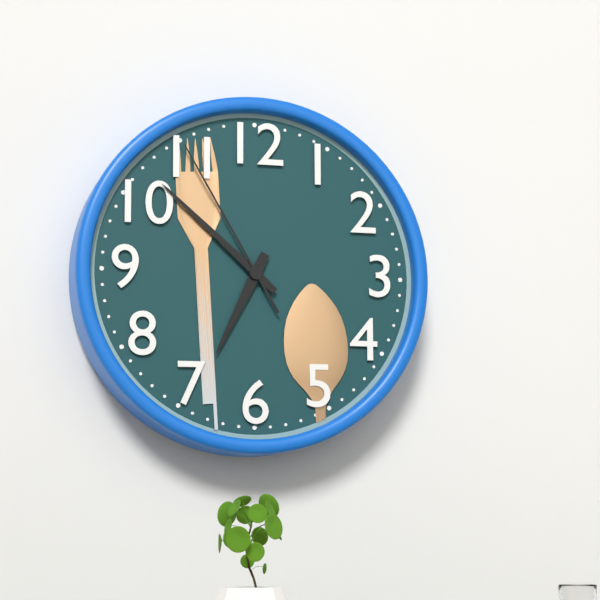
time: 6:52:55
